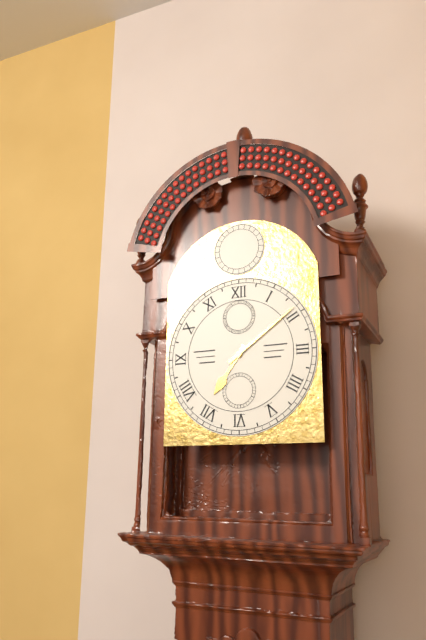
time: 7:09
